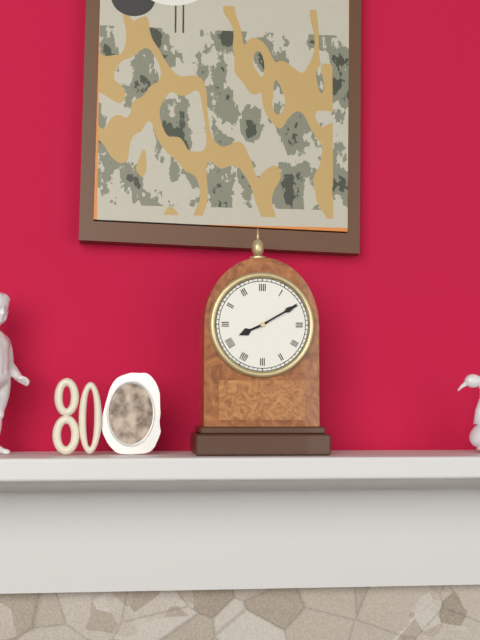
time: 8:10
